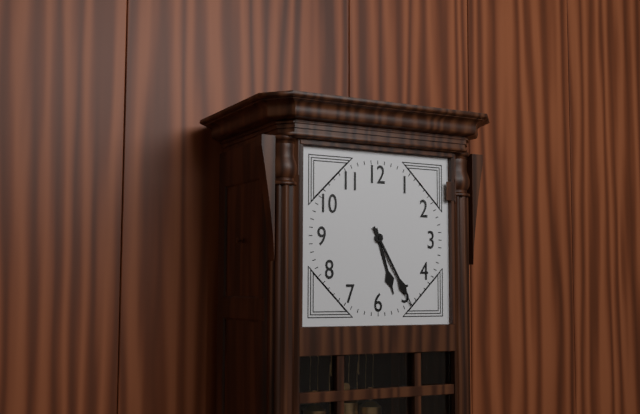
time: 5:25
